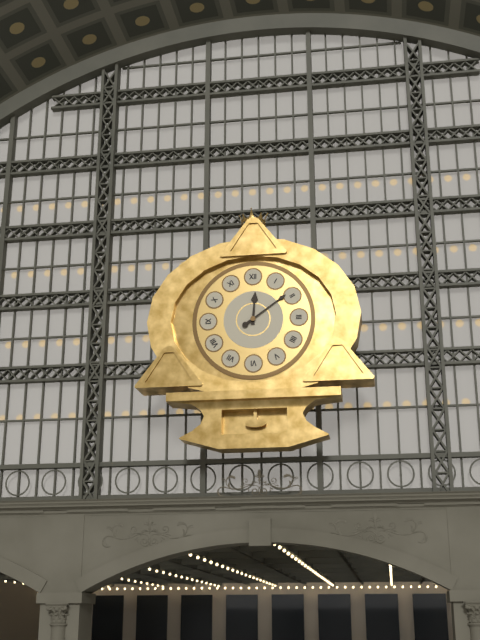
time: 12:09
